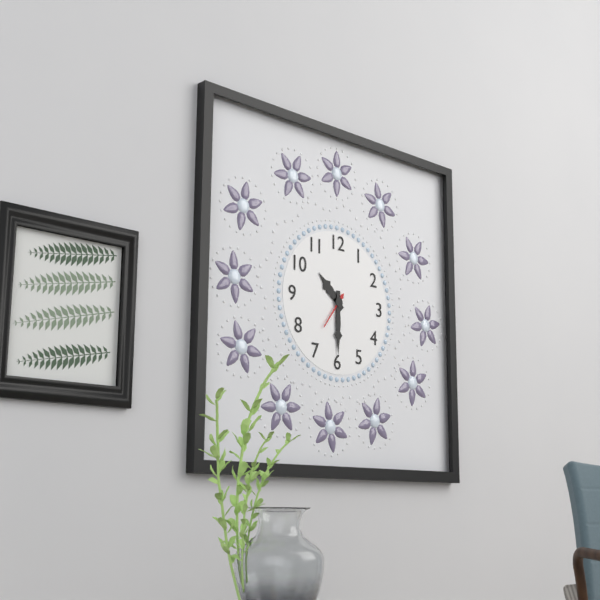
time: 10:30
